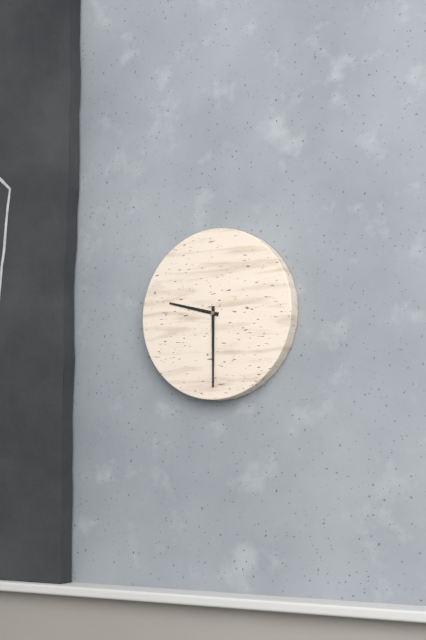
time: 9:30
